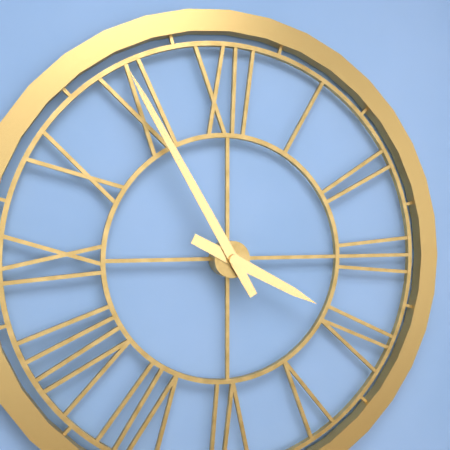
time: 3:55
